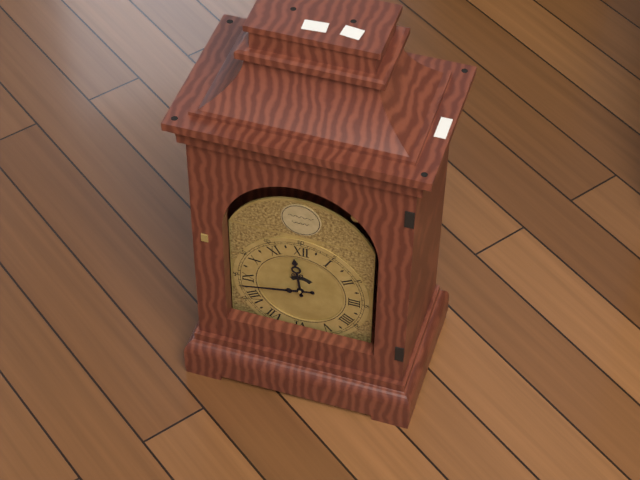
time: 11:43
